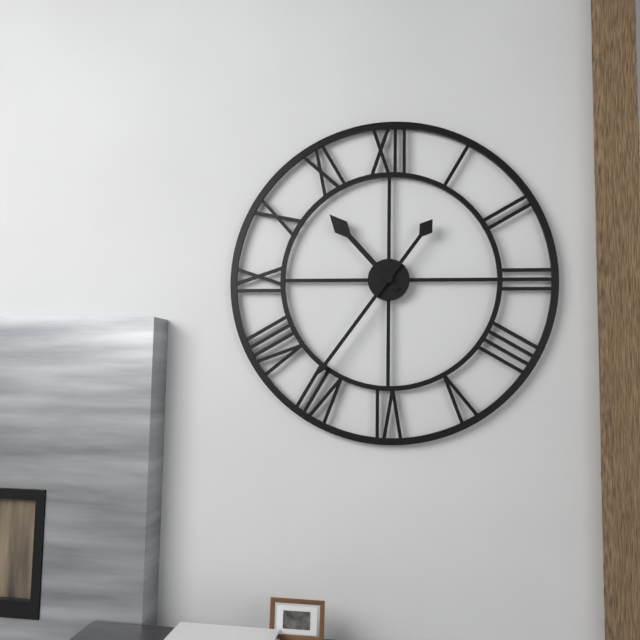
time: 10:36
